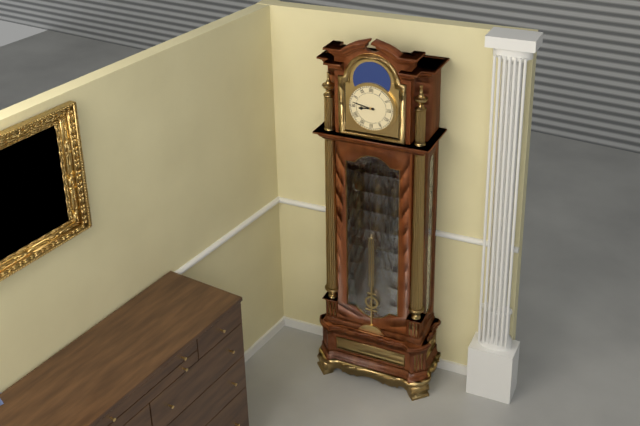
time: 8:47
